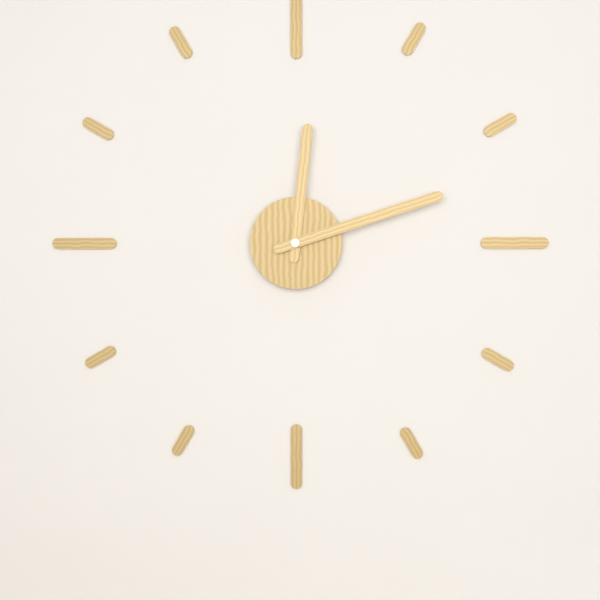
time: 12:12
